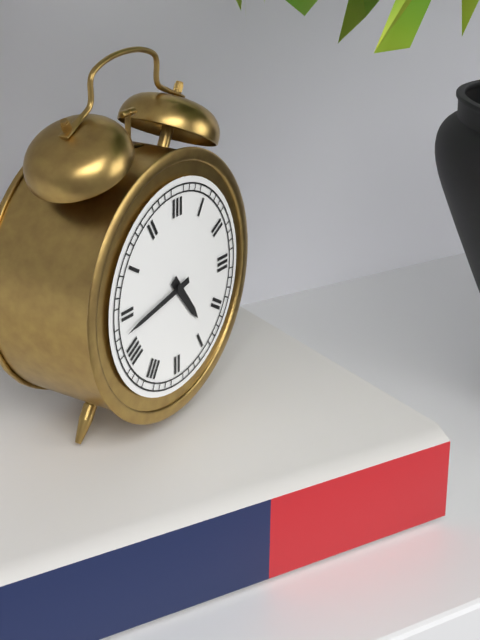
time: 4:43
